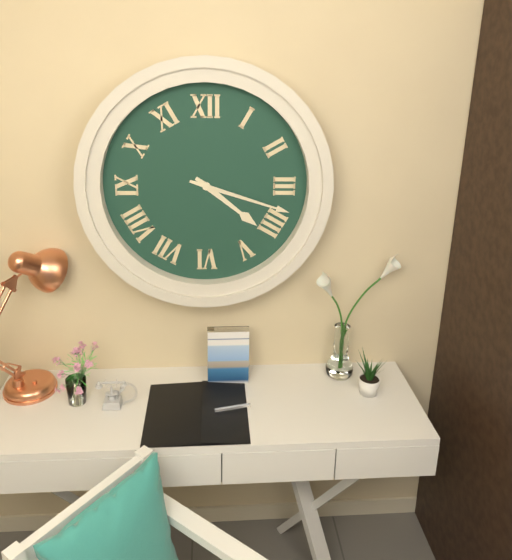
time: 4:18
